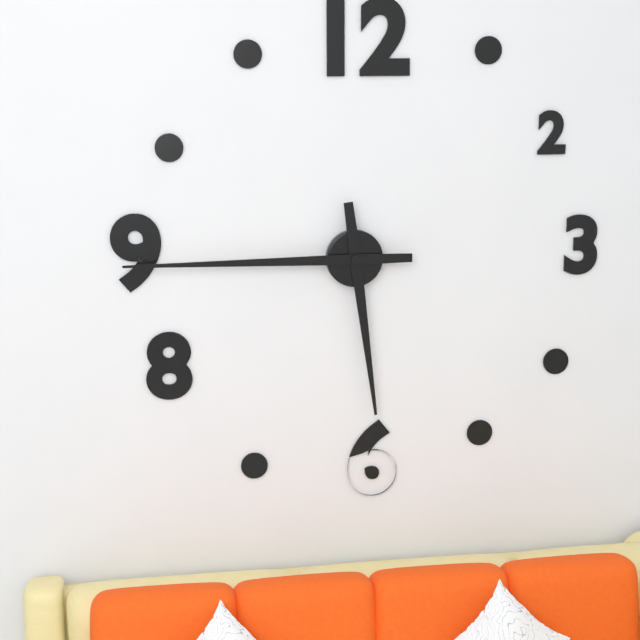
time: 5:45
